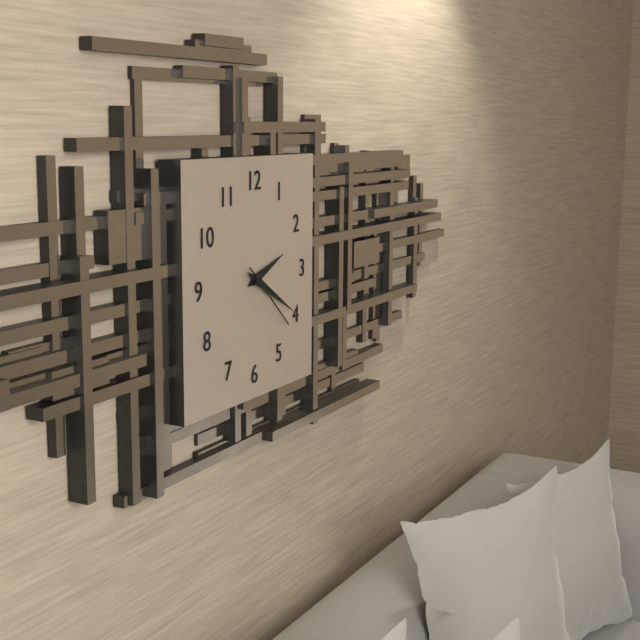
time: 2:20:22
